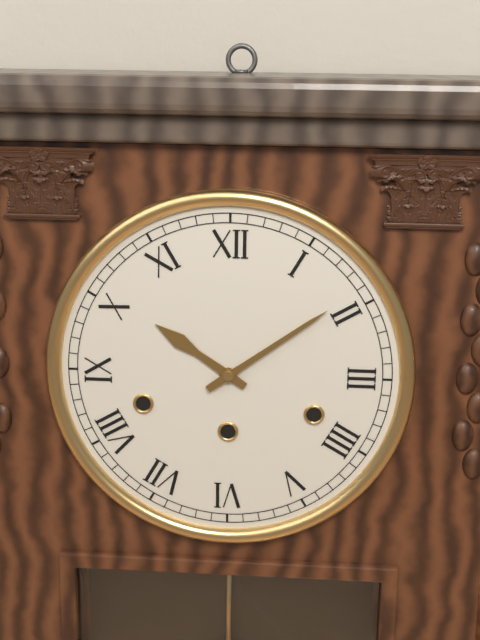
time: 10:09
